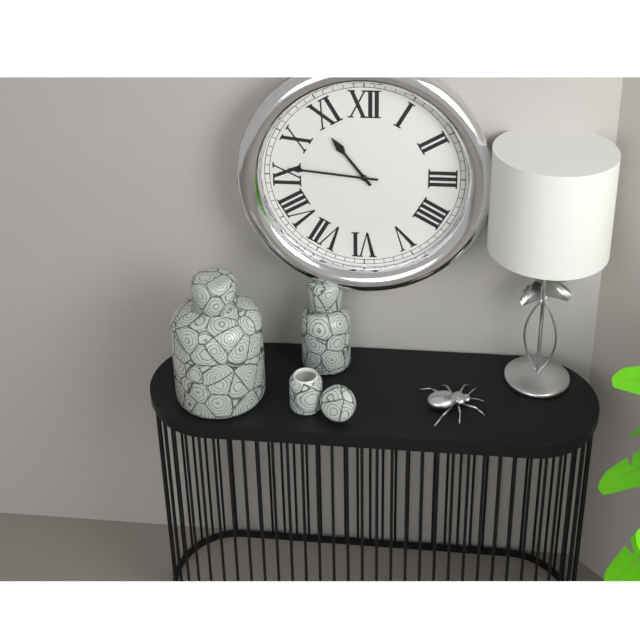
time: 10:46
